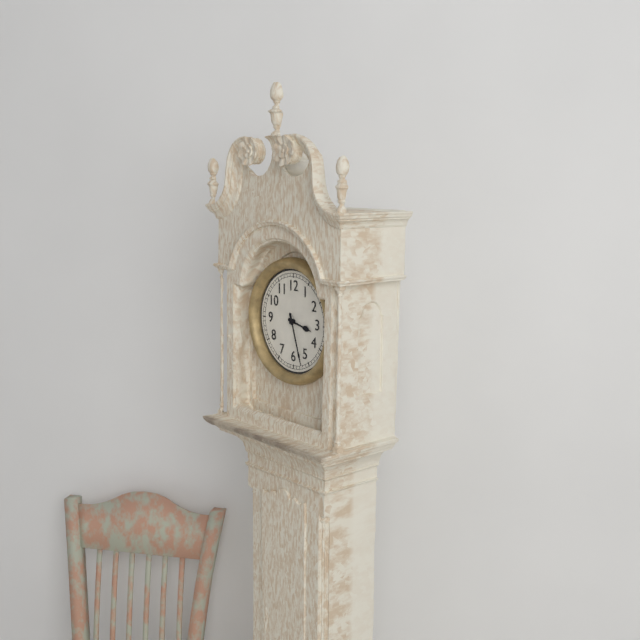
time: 3:27
